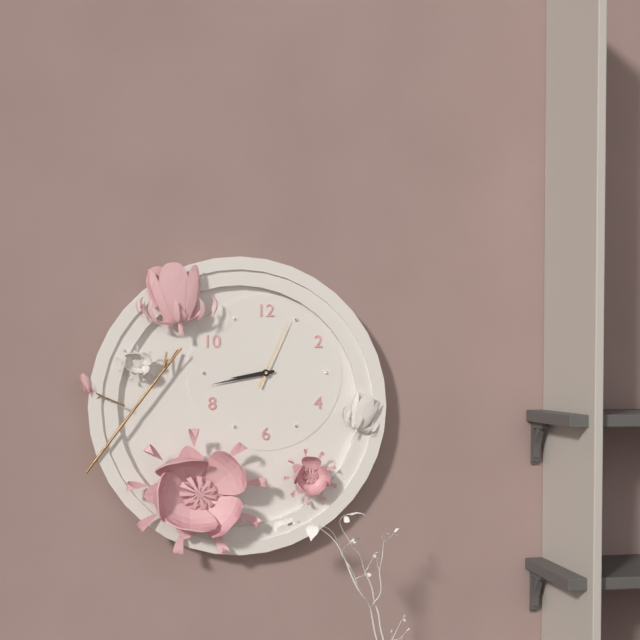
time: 8:43:04
